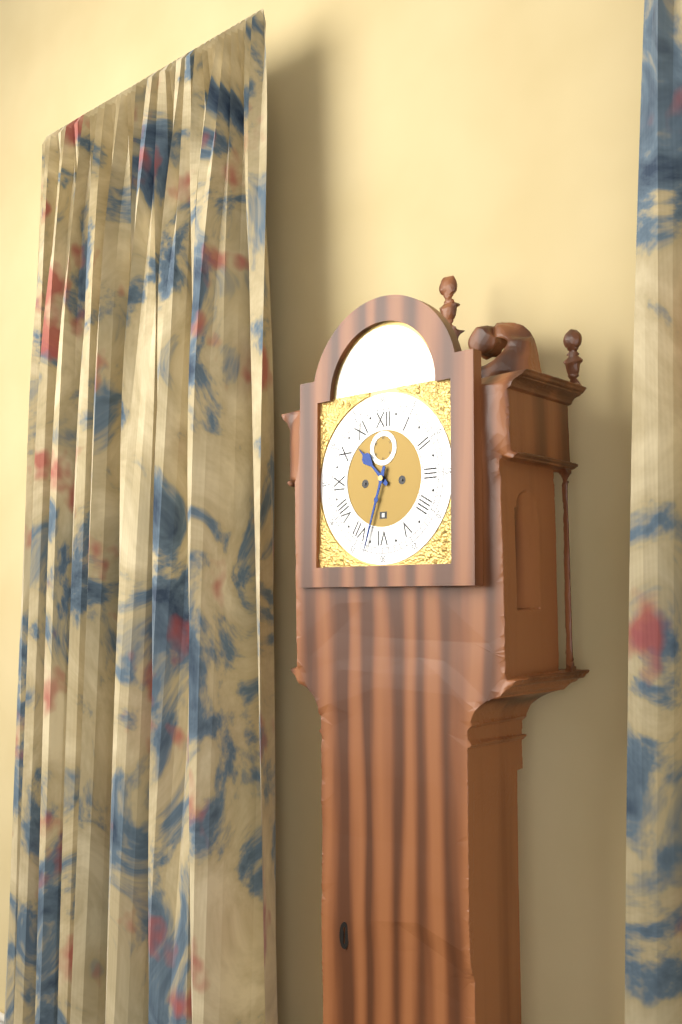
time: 10:33
